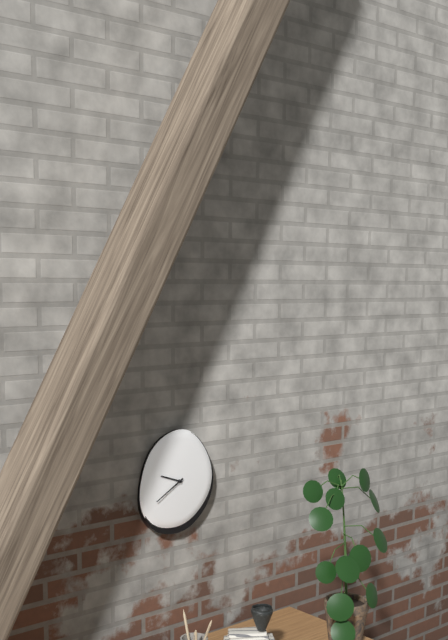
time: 9:40
